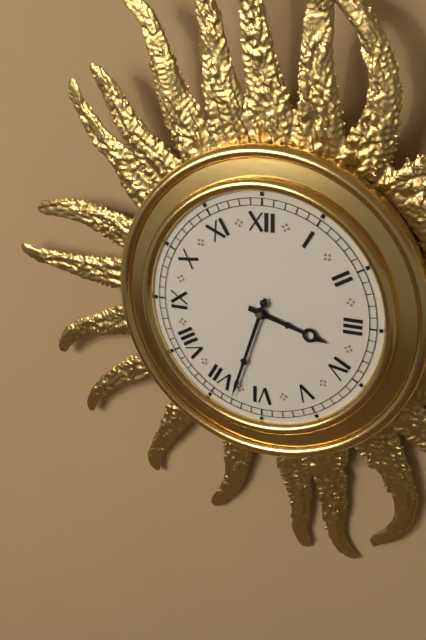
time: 3:33
